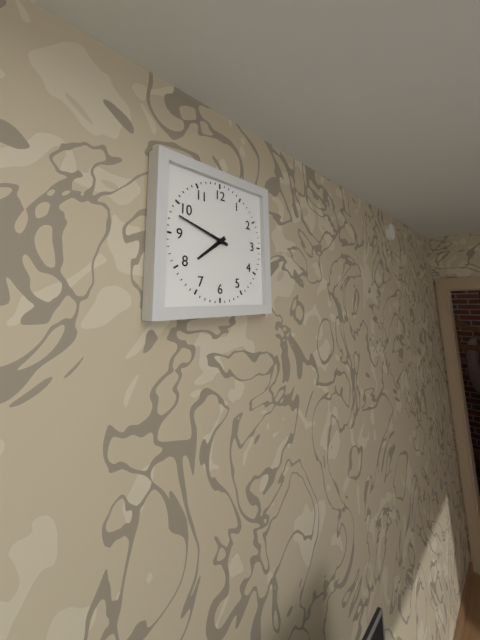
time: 7:48
